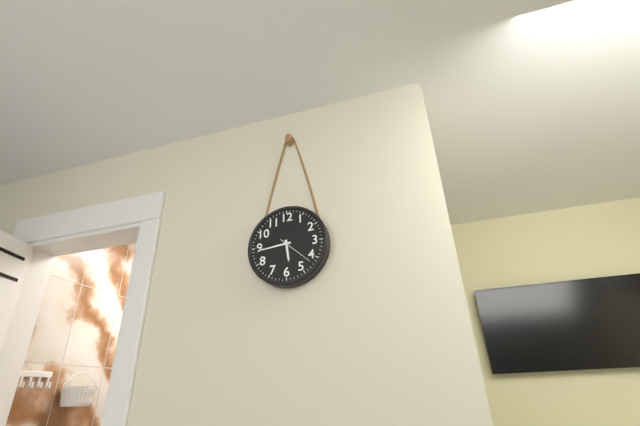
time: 5:44
